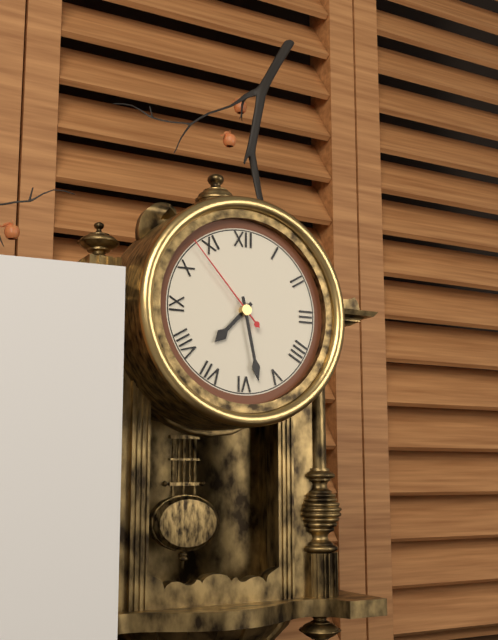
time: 7:28:53
